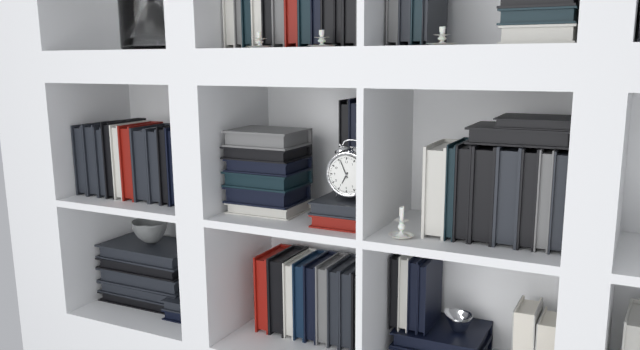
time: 6:56
